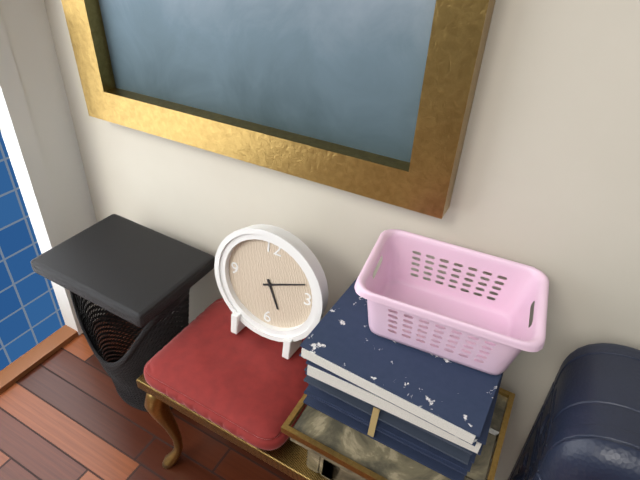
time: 5:11
